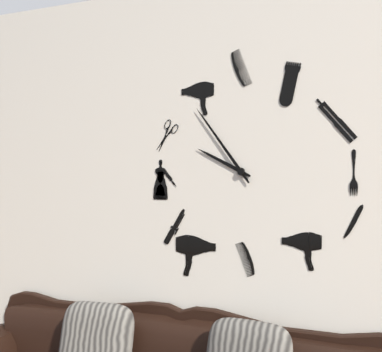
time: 9:54
